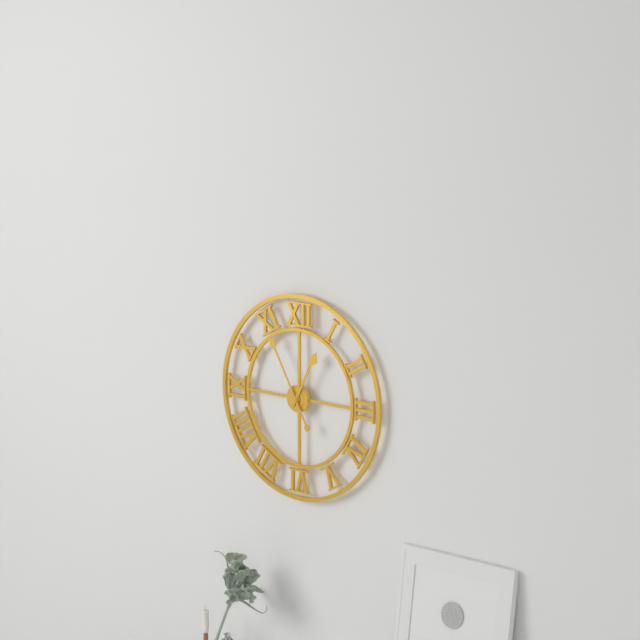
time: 12:55
